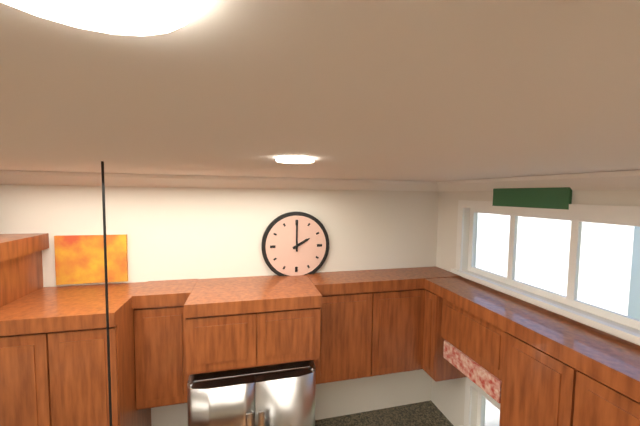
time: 2:00
